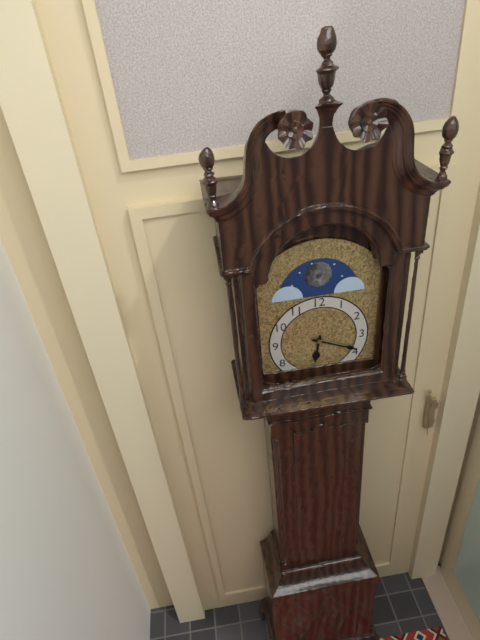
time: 6:19
